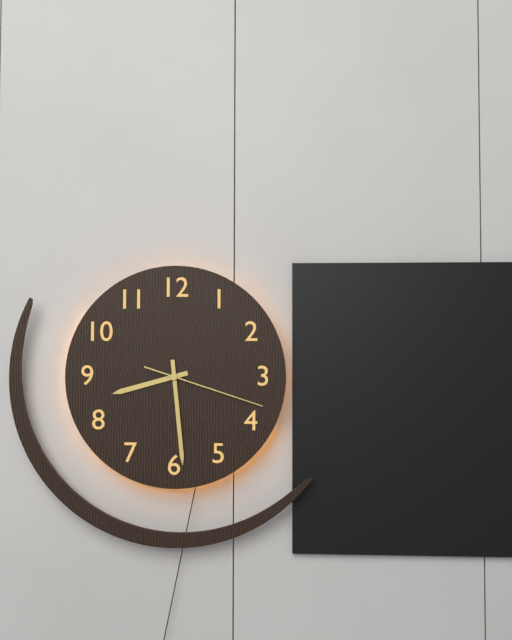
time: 8:29:18
